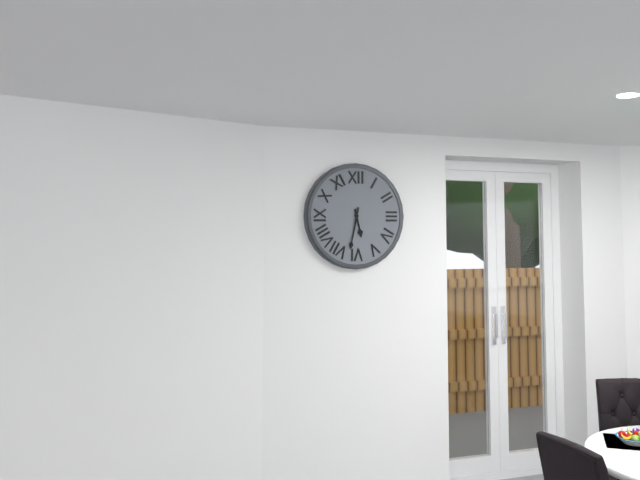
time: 5:32
